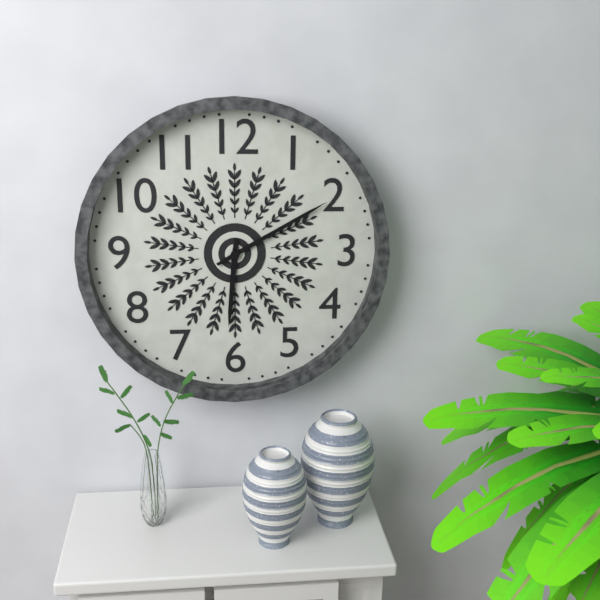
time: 6:10
